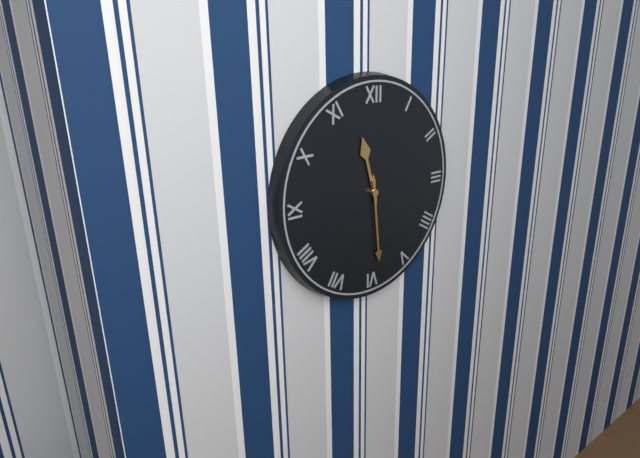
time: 11:29
